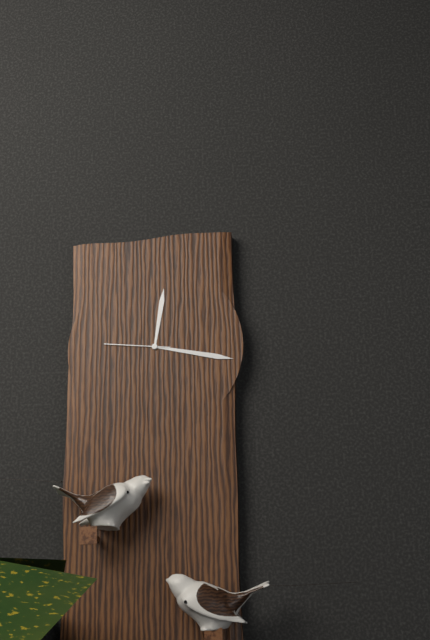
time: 12:17:46
